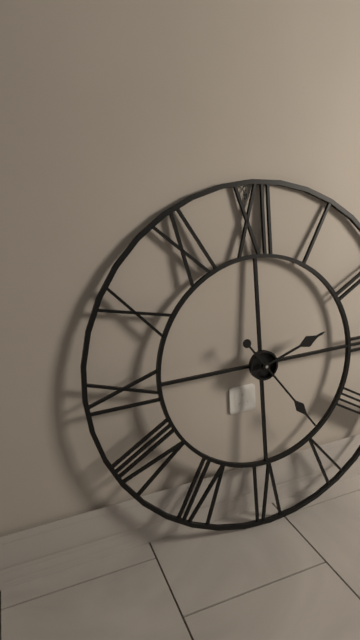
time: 2:24
